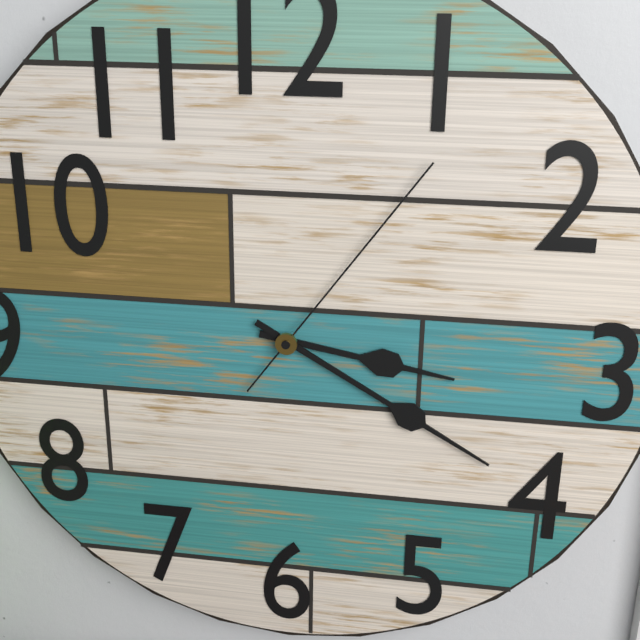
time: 3:20:06
